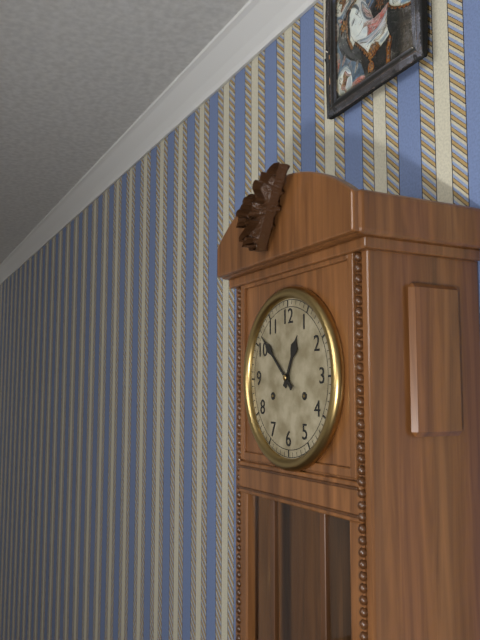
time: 12:52
